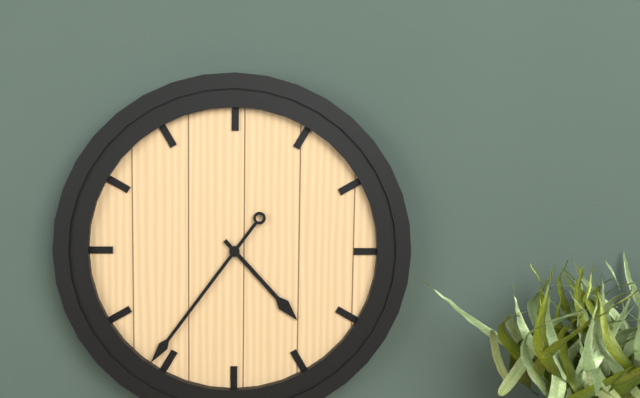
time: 4:36
